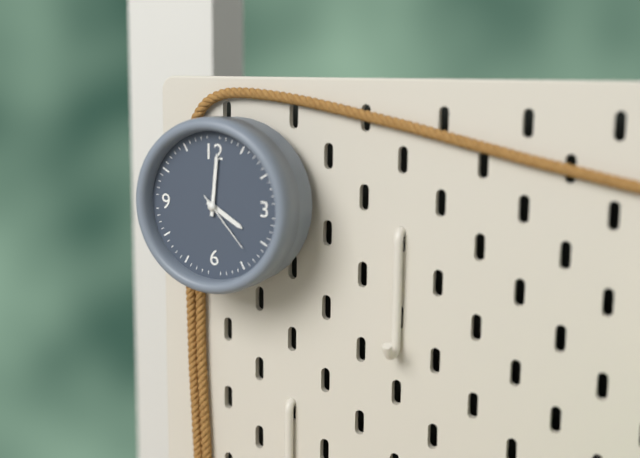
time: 4:01:23
